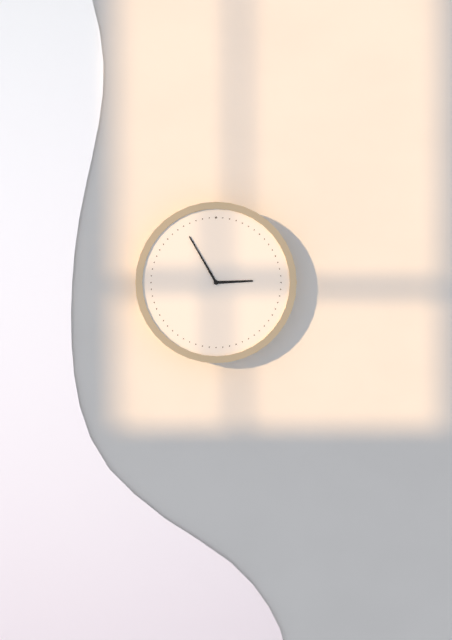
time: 2:55
